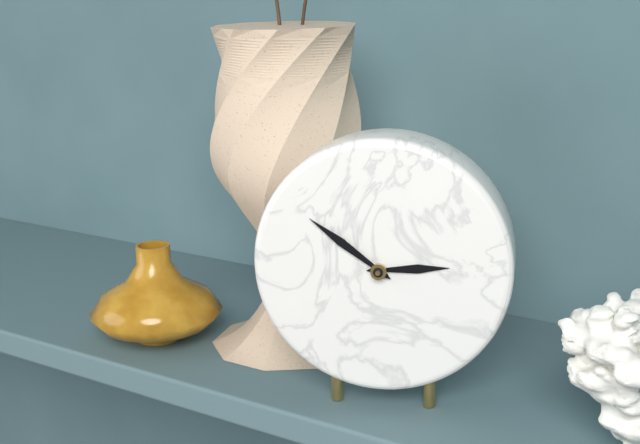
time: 2:51
